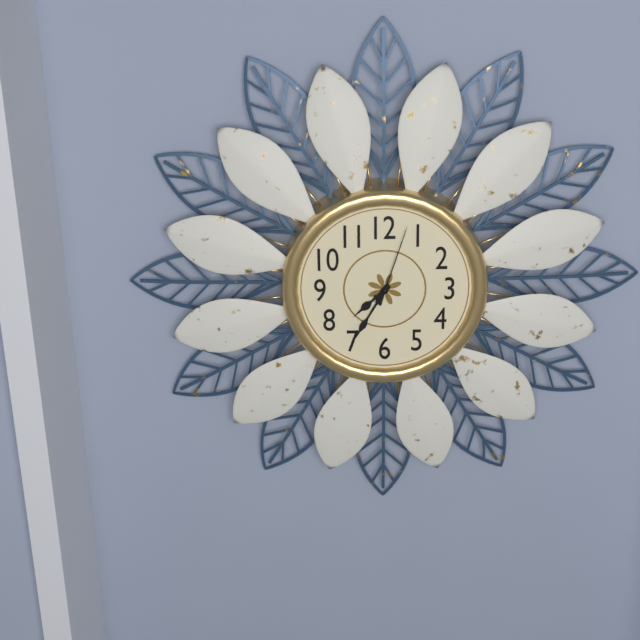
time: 7:35:03
